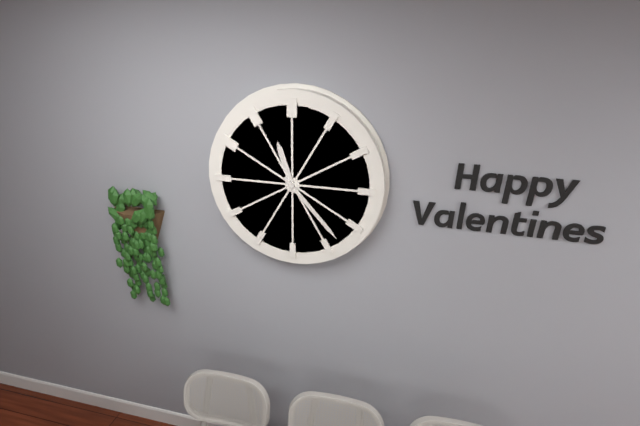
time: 11:23
